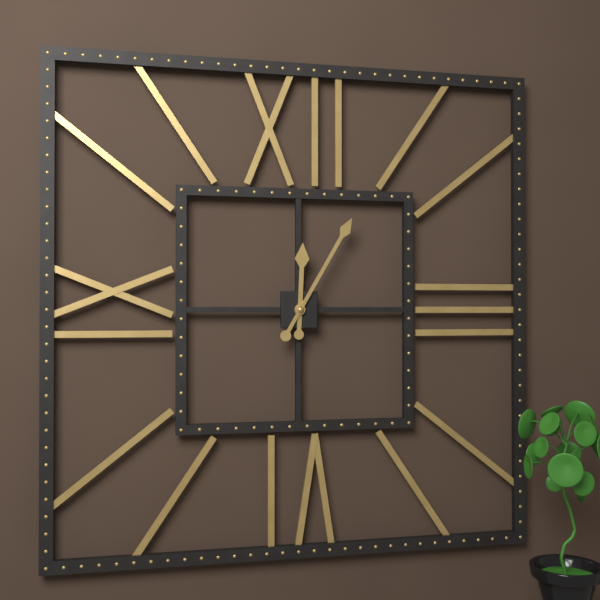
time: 12:05
